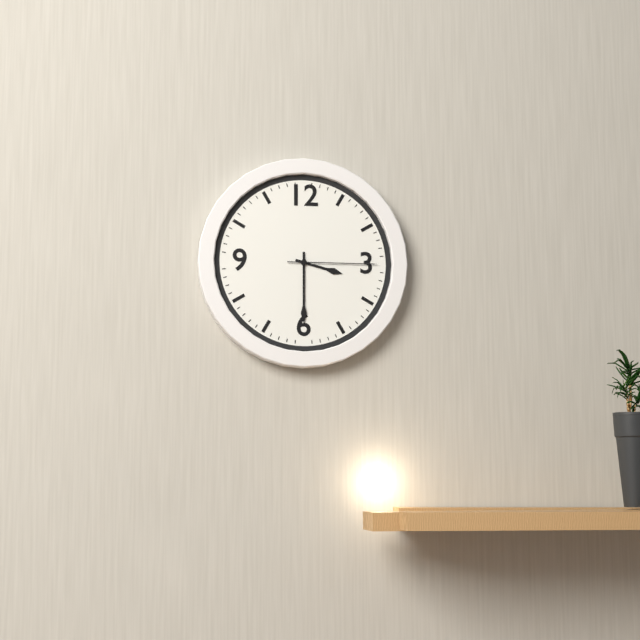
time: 3:30:15
